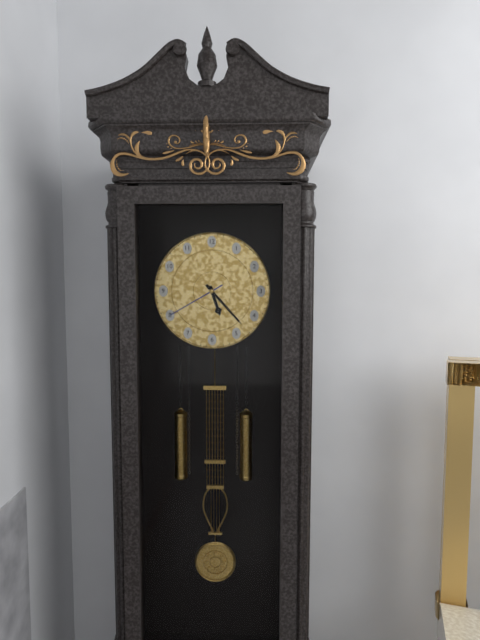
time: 5:23:40
